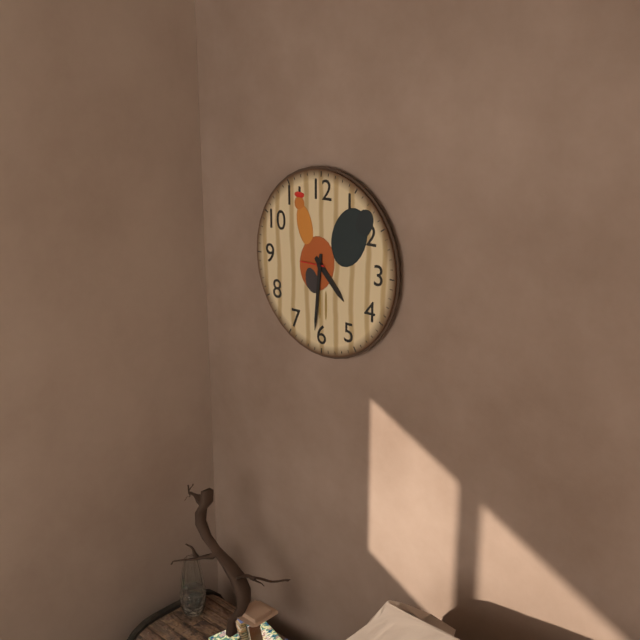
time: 4:31
